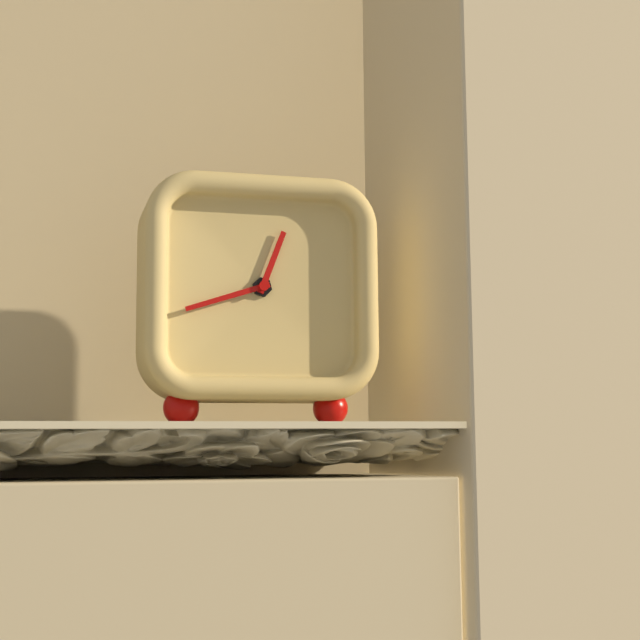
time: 12:42
